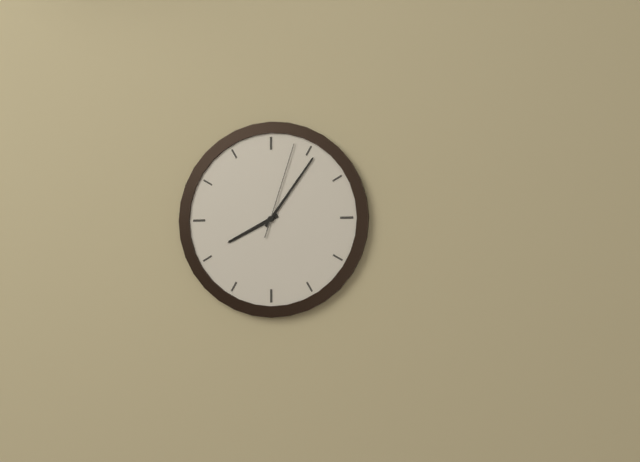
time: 8:06:03
